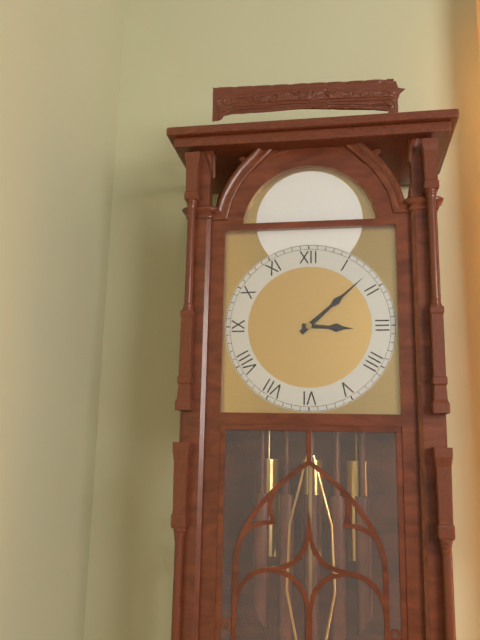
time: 3:08
